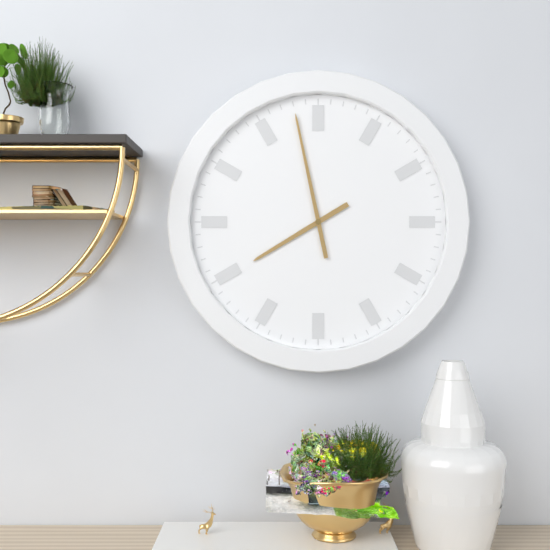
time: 7:58
